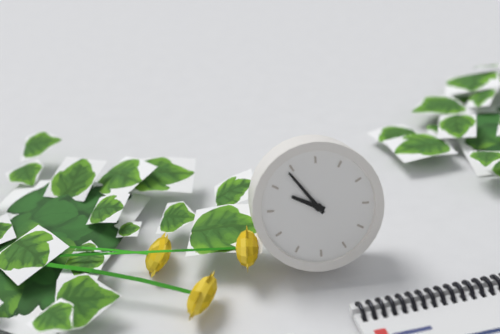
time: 9:54
